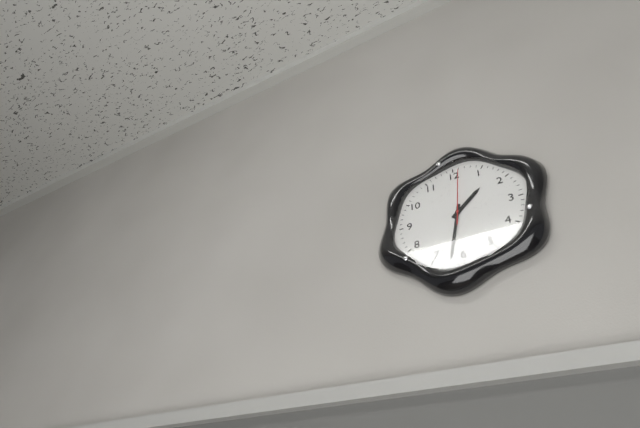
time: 1:32:01
